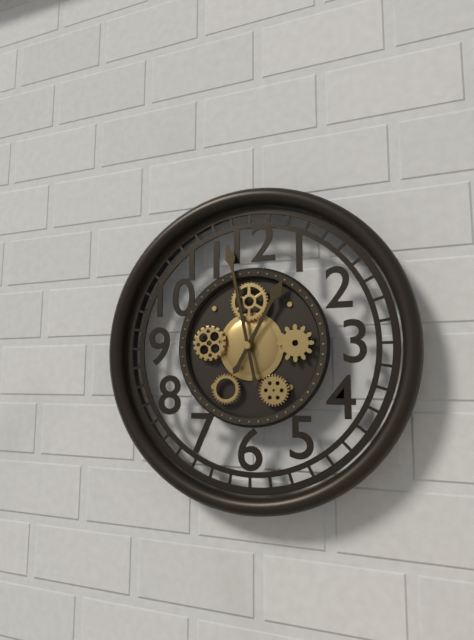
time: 12:58
